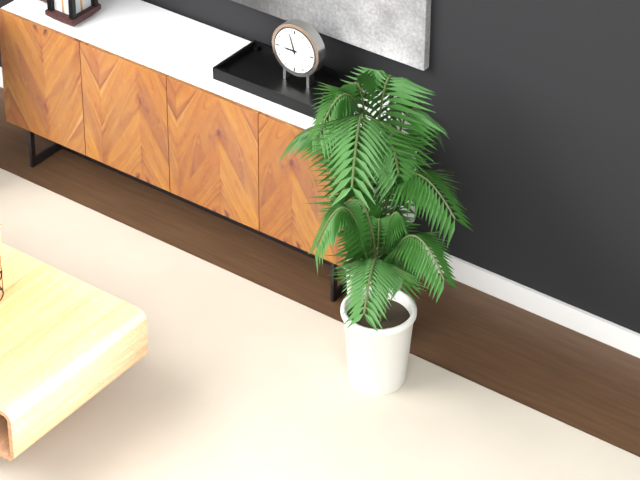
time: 8:57
